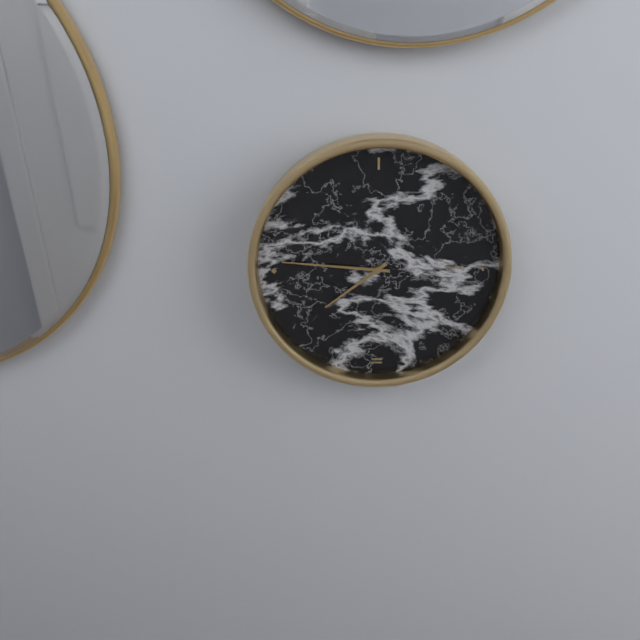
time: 7:46
